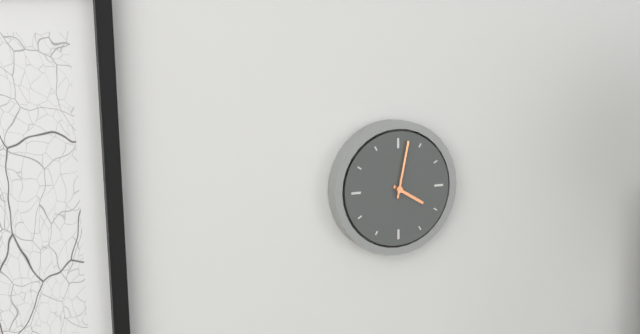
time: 4:02
